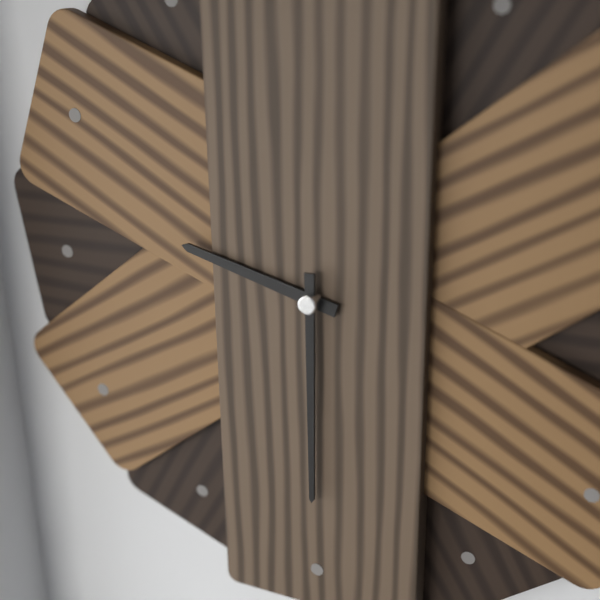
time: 9:30
